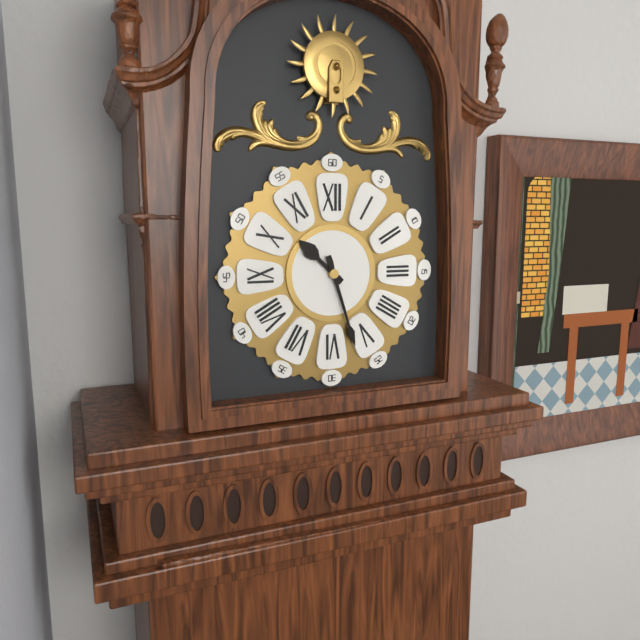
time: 10:27
